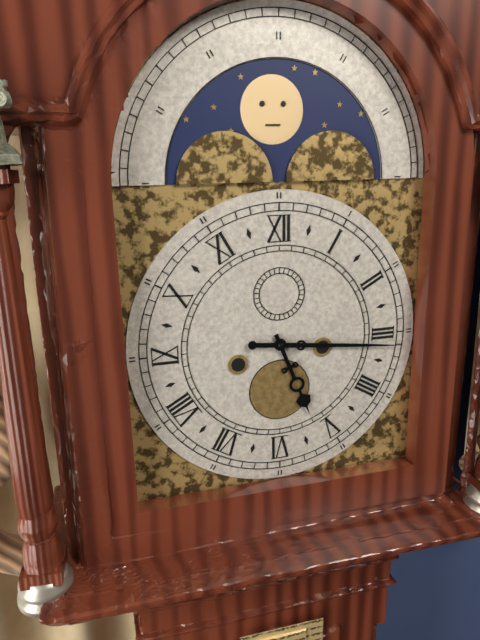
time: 5:16
